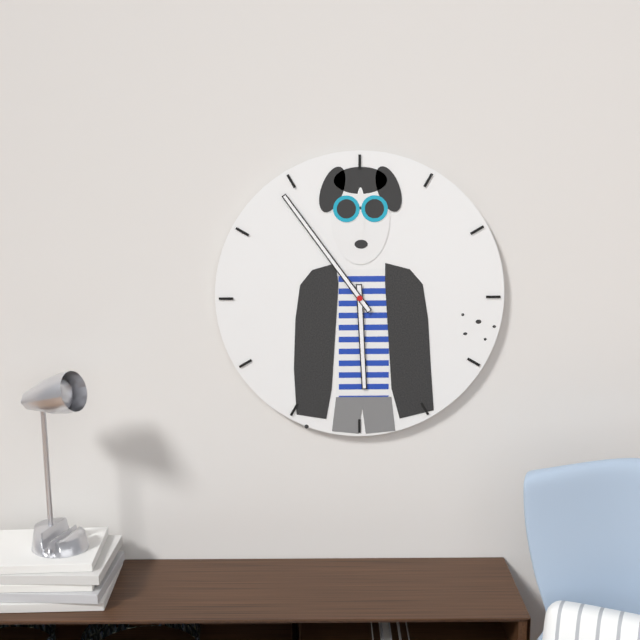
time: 5:54
